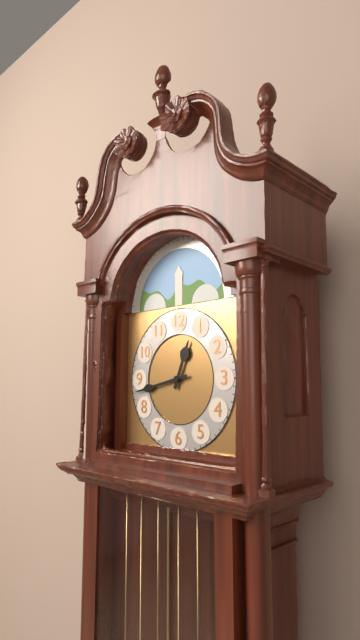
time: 12:43
